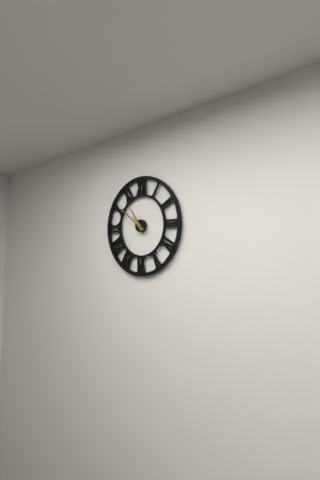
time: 10:51
